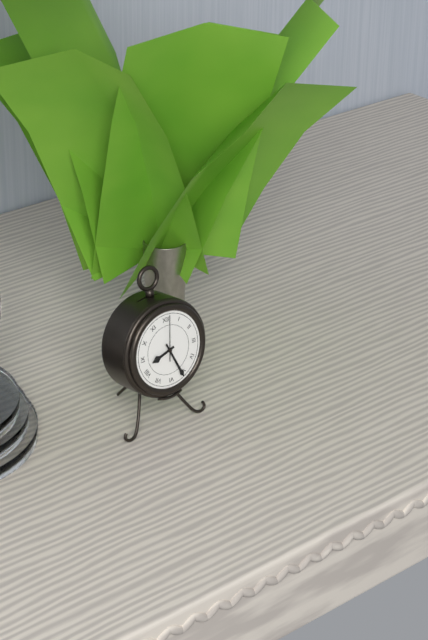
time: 8:26
